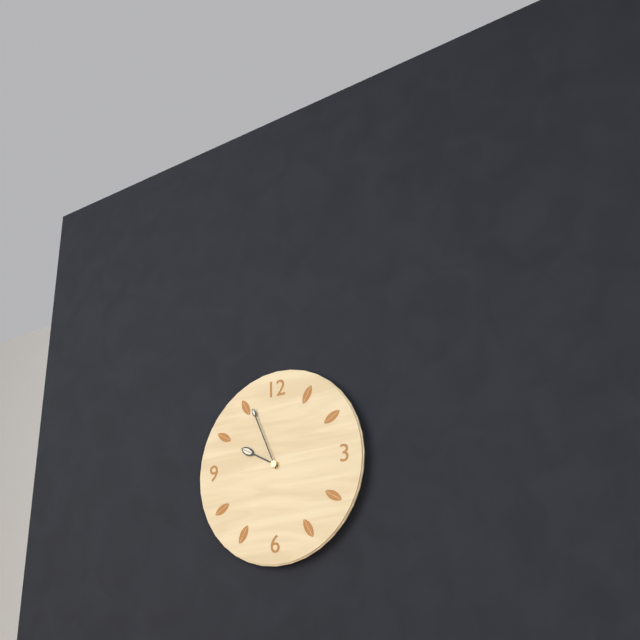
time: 9:56
